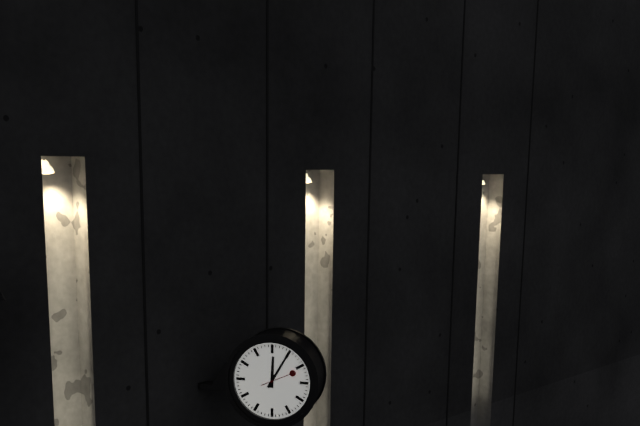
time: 12:05
